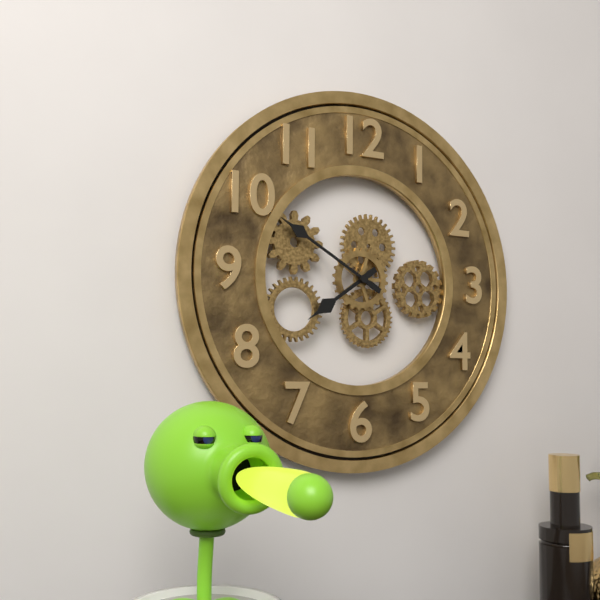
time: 7:50
